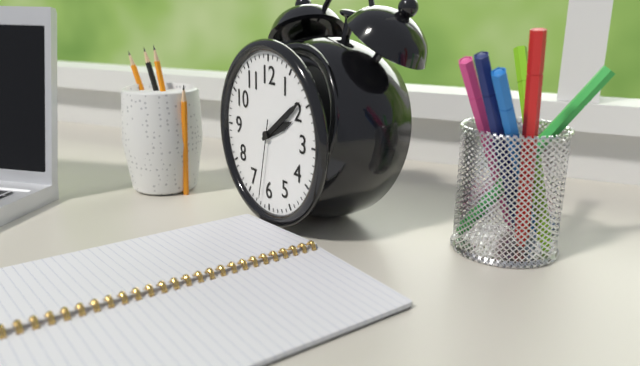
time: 2:09:32
